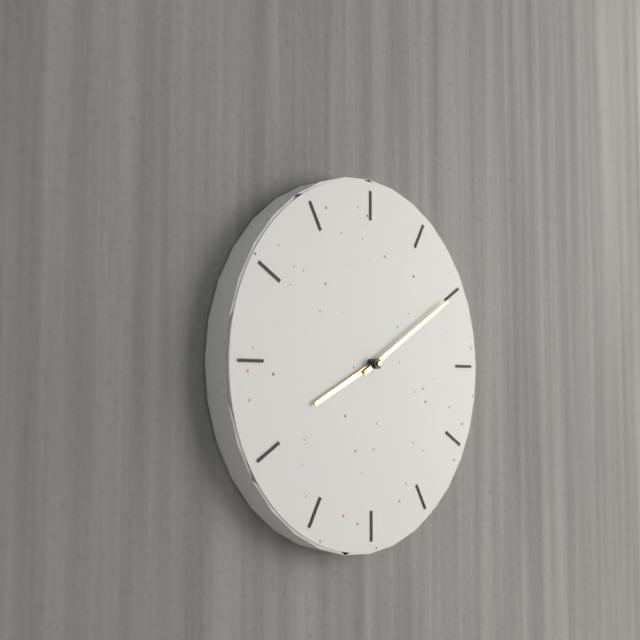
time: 8:10
